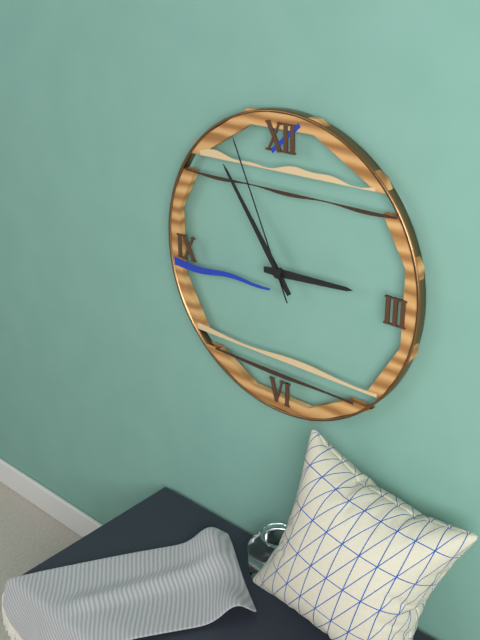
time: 2:54:56
